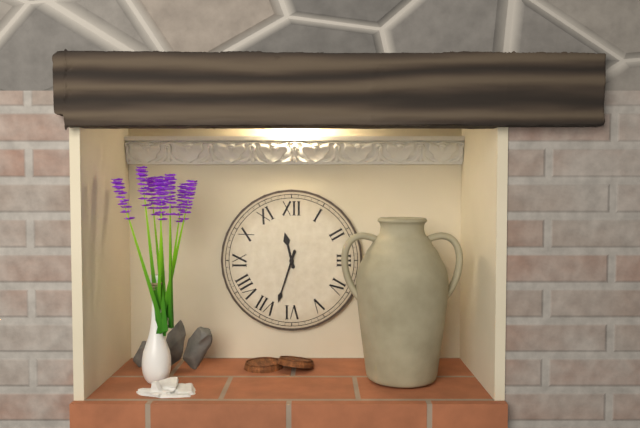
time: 11:33
